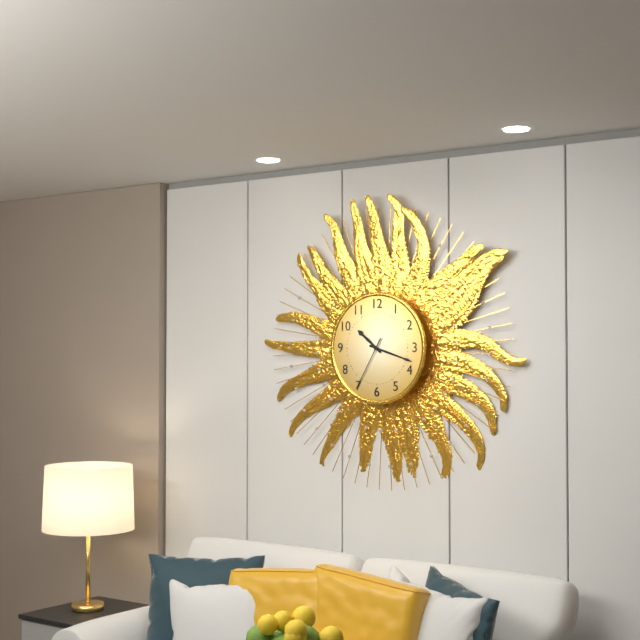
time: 10:18:35
